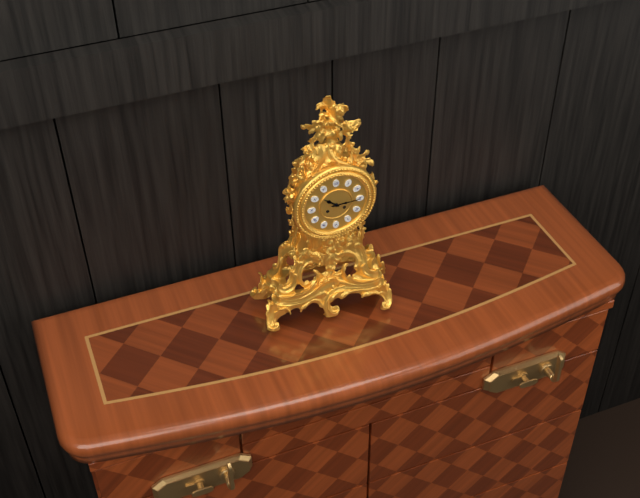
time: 10:15
